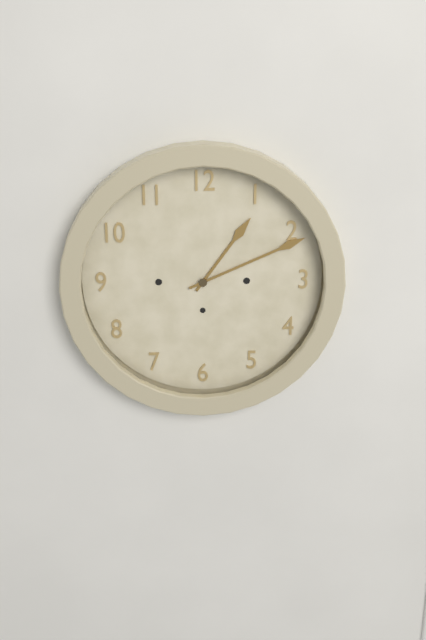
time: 1:11
